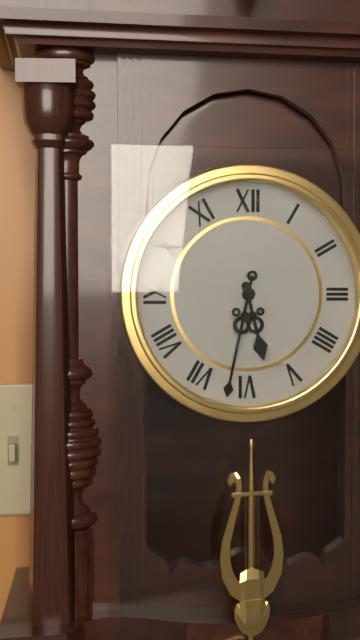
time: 5:32
